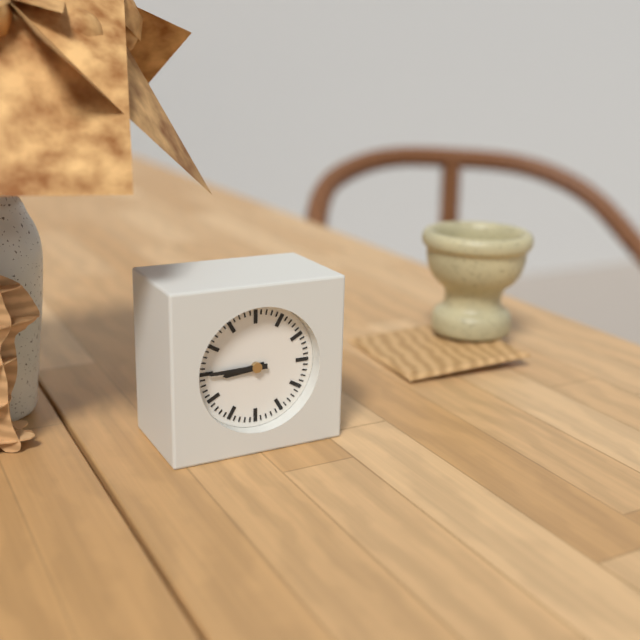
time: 8:45
